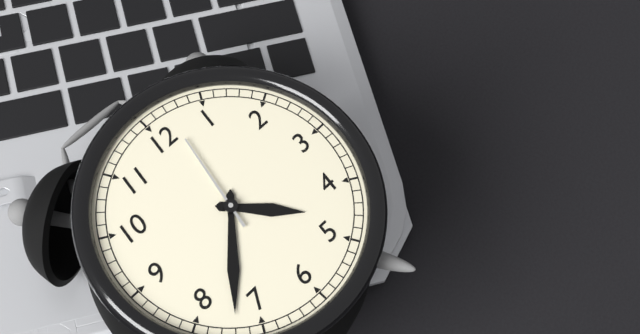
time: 4:37:02
